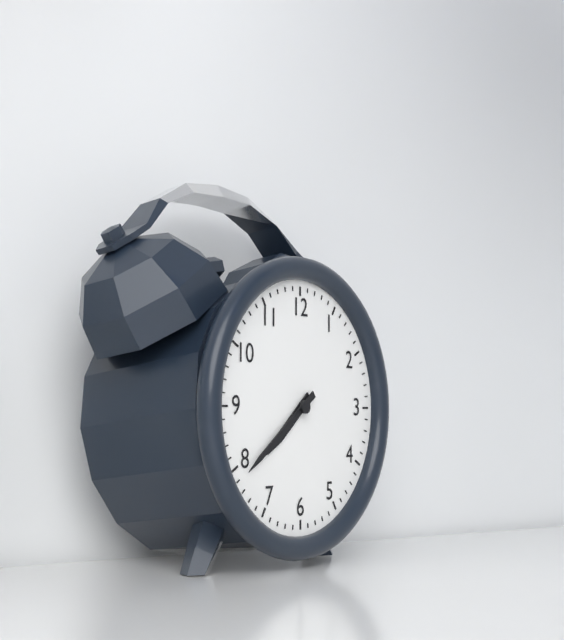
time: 7:39
